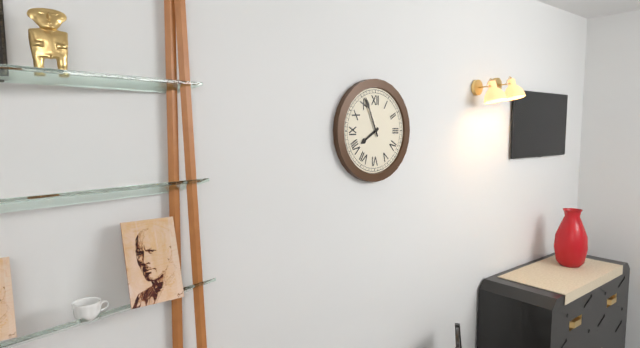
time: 7:56
